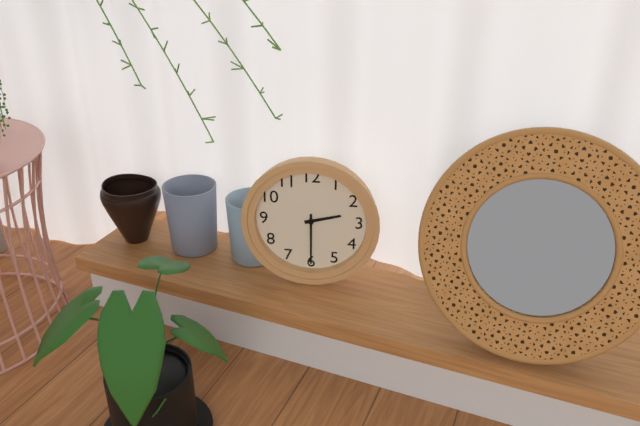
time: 2:30
